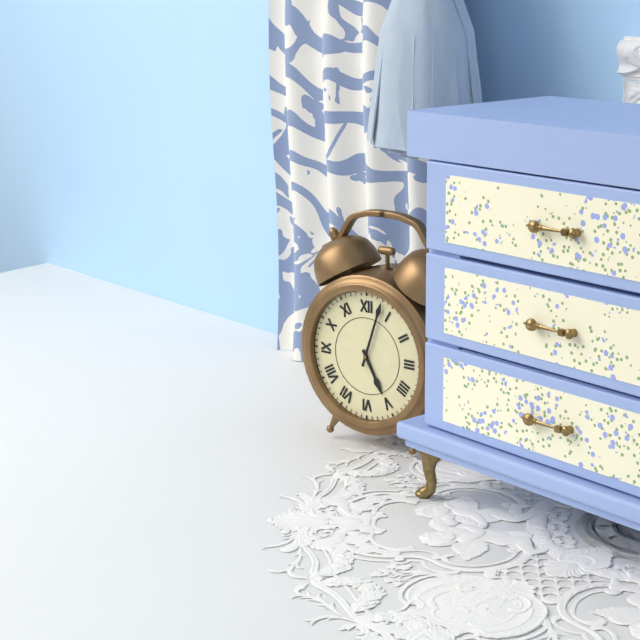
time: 5:03
